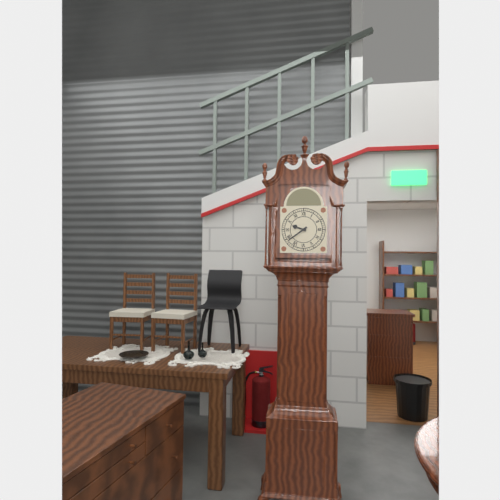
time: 9:39
